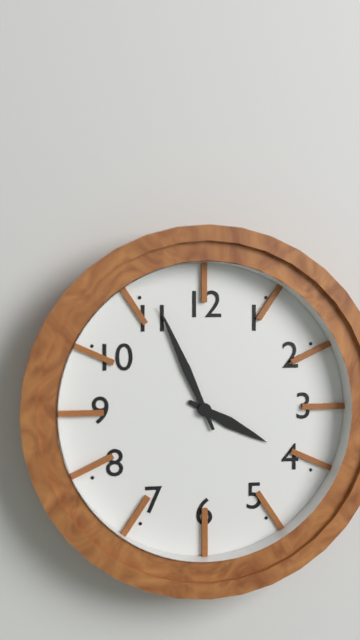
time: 3:56
